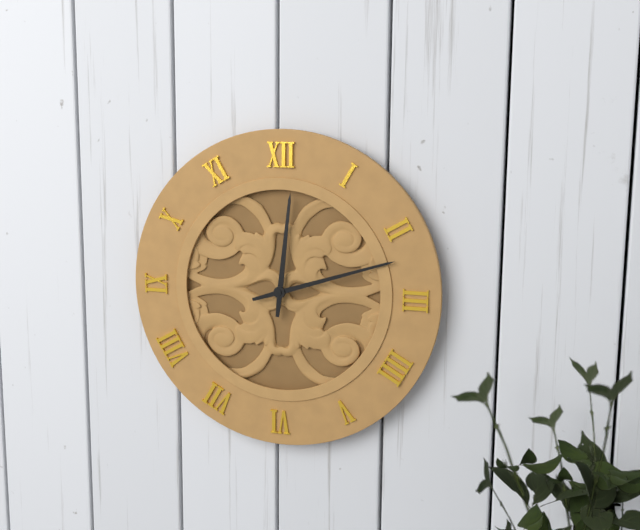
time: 12:12
